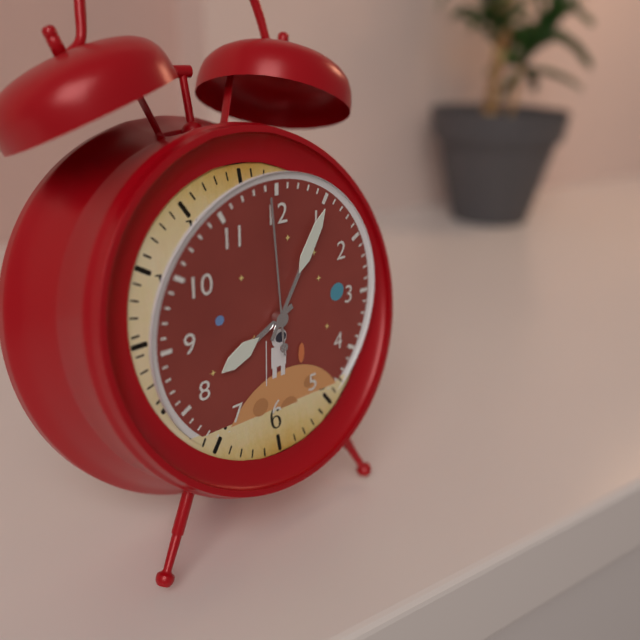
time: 8:05:59
